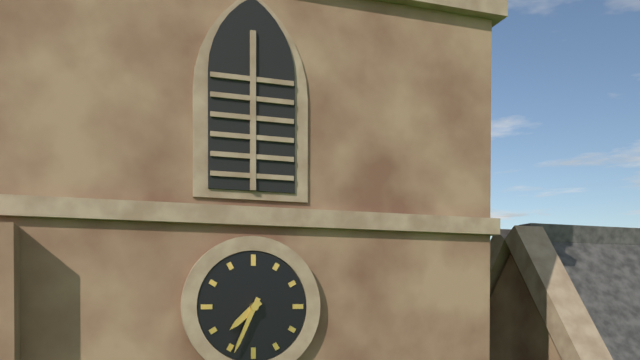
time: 7:34
